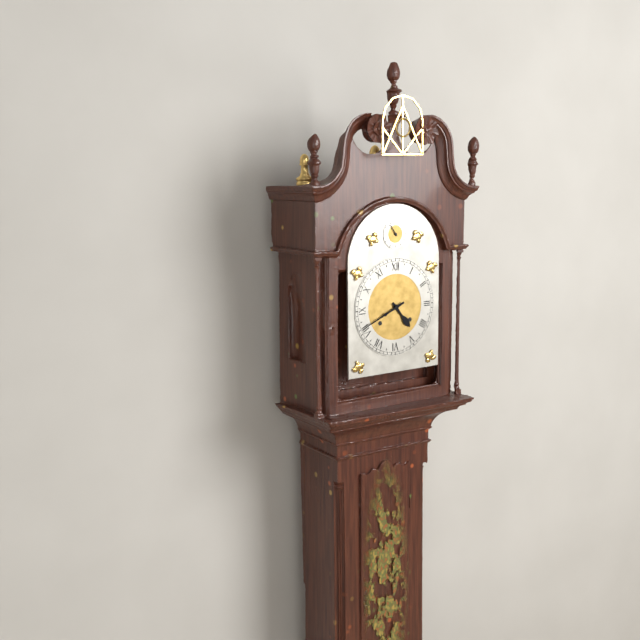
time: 4:41
